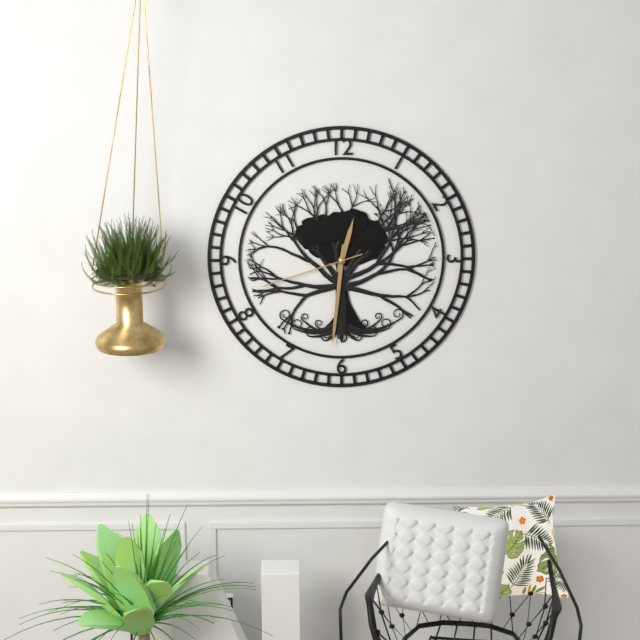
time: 12:31:42
